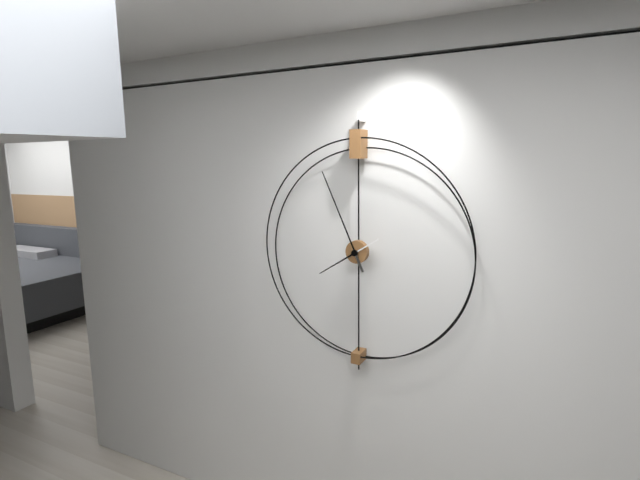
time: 7:56
